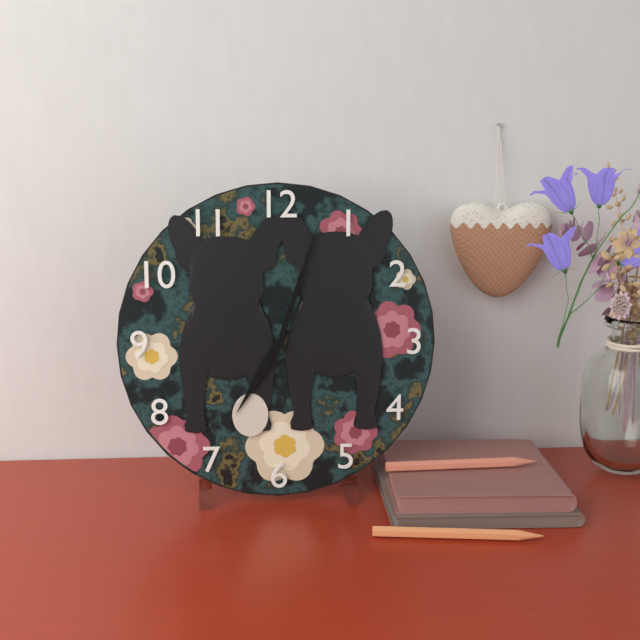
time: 7:03
